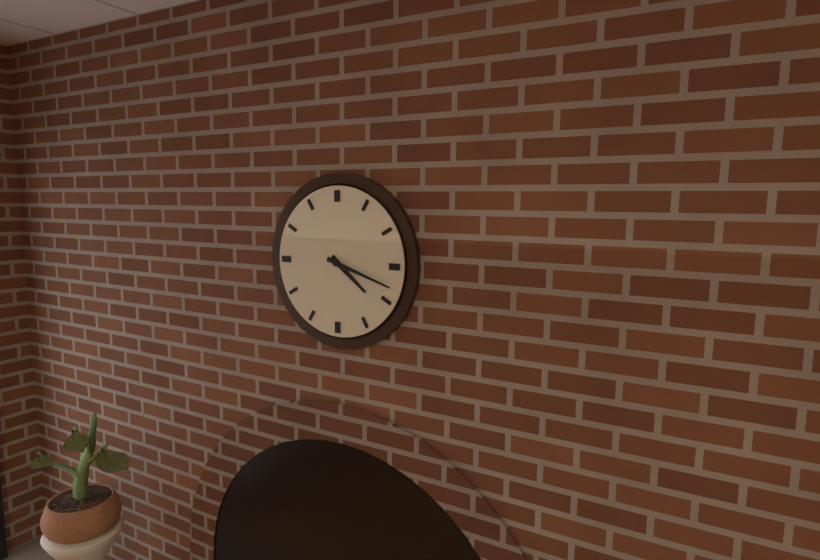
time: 4:18
